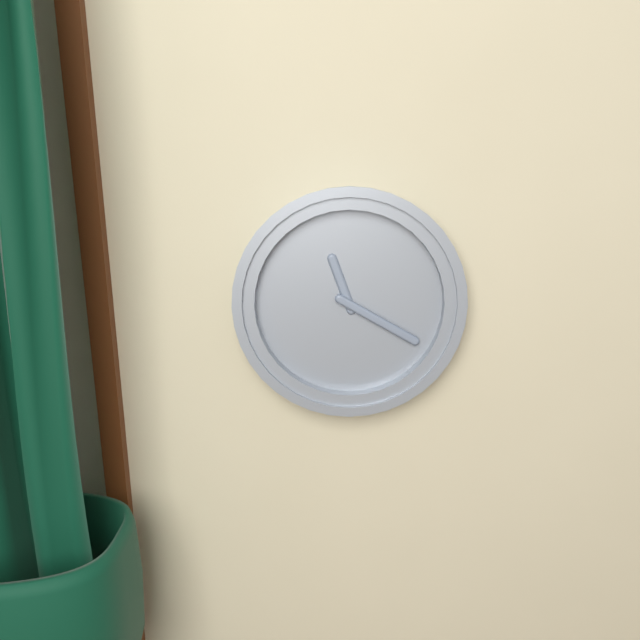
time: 11:20
